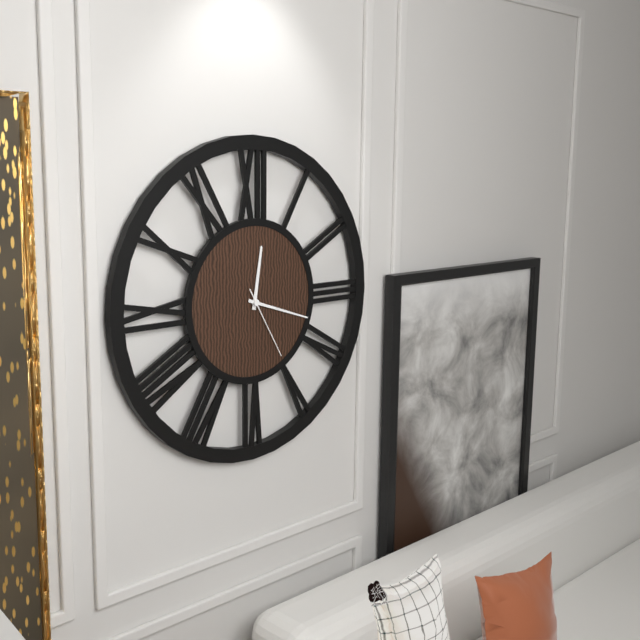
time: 12:18:25
